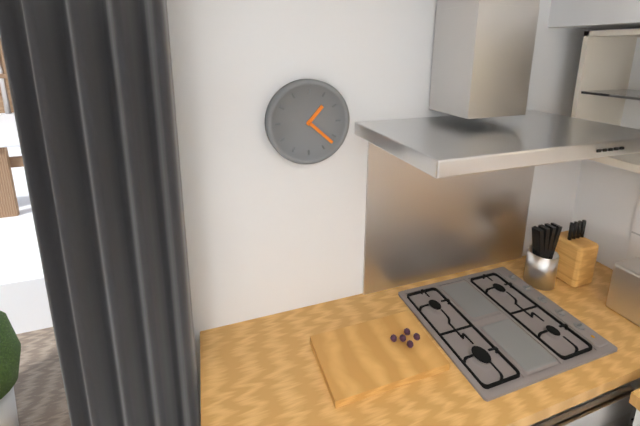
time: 1:22
